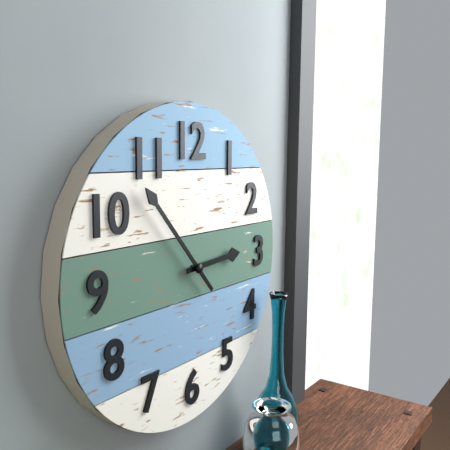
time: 2:53
